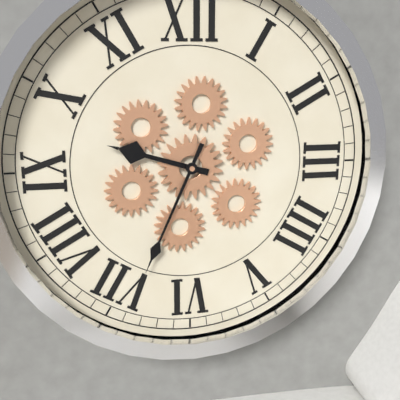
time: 9:34
